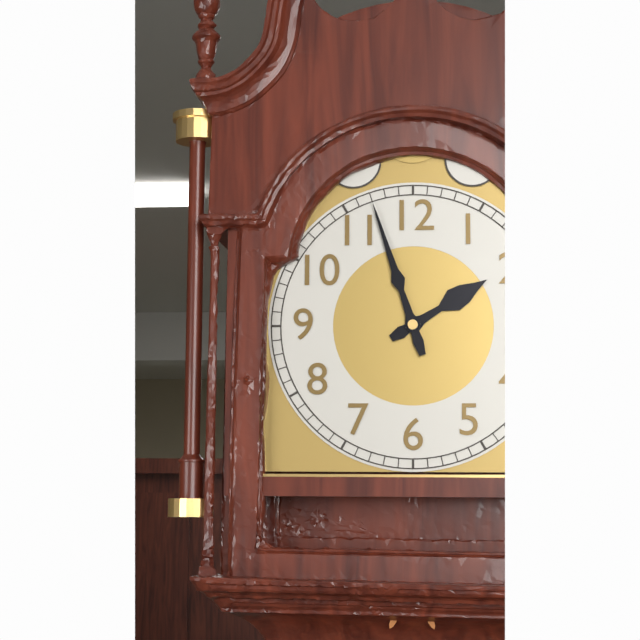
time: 1:57
